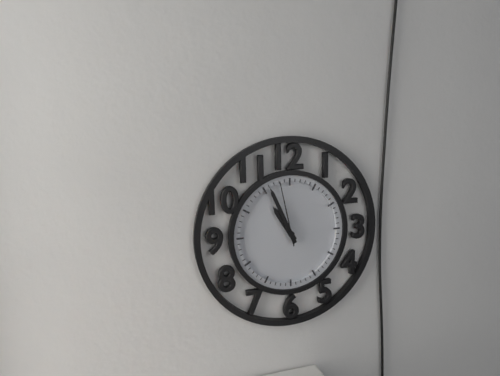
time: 10:56:58
